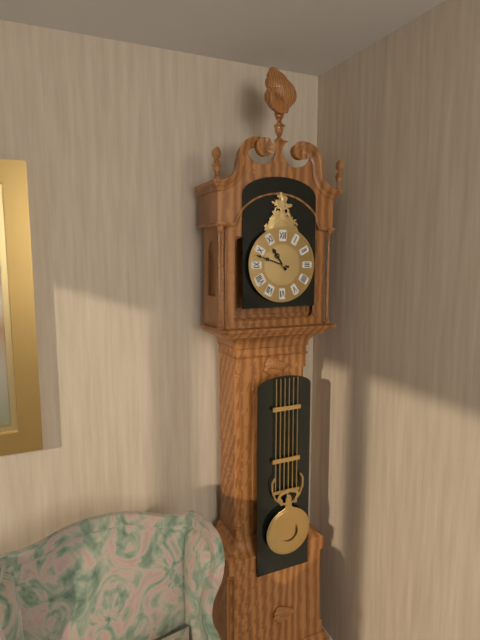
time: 10:48
